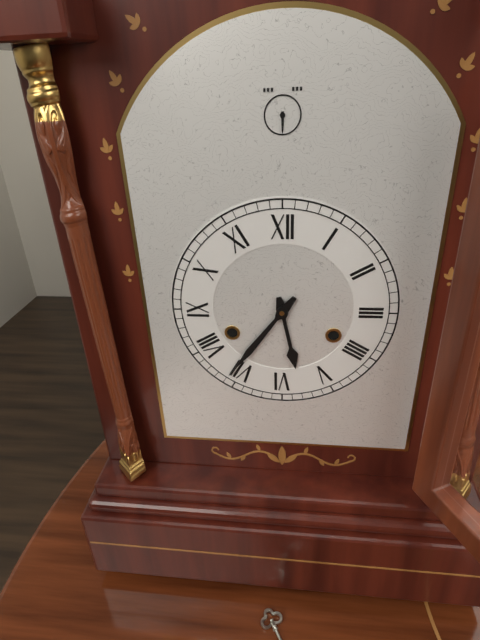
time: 5:36
